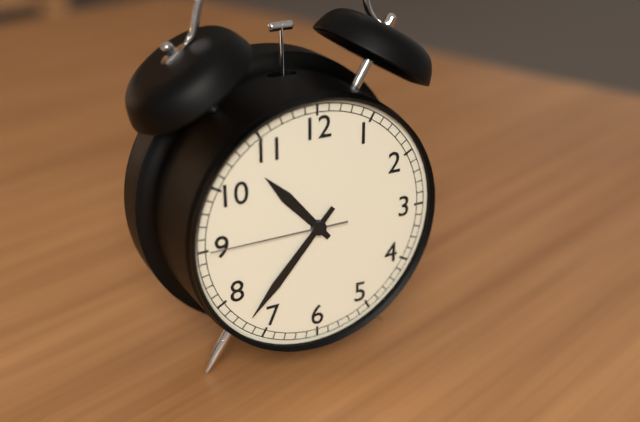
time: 10:37:45
